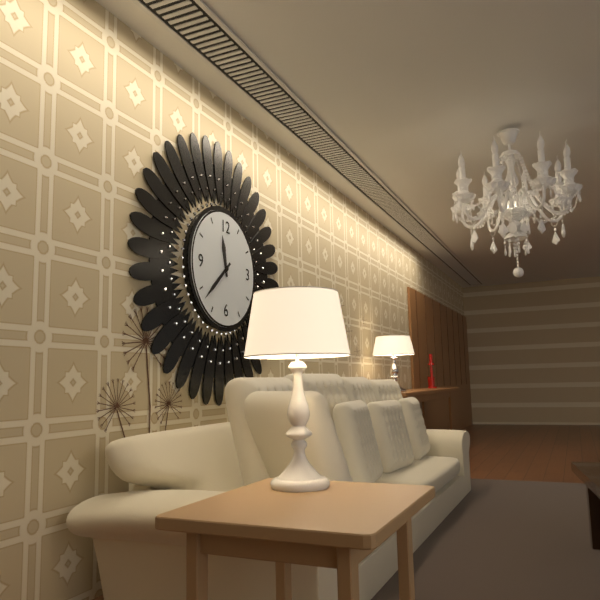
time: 11:38
